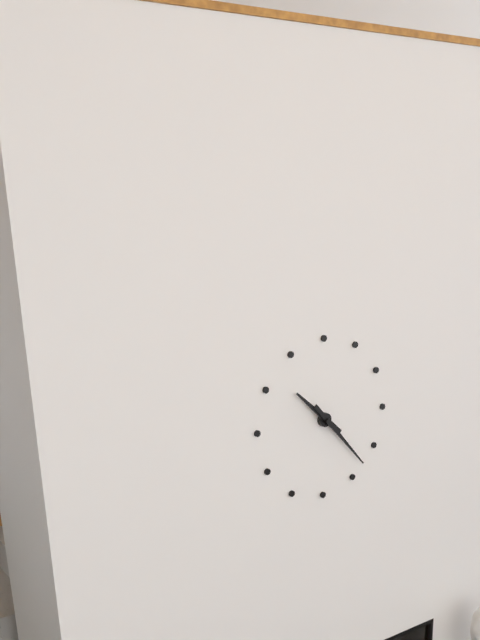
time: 10:23
